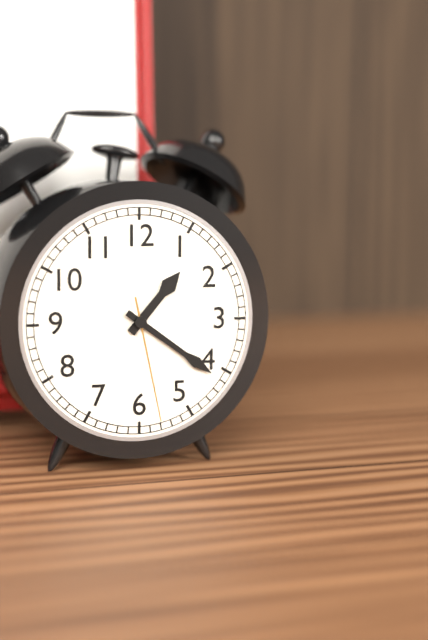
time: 1:21:28
